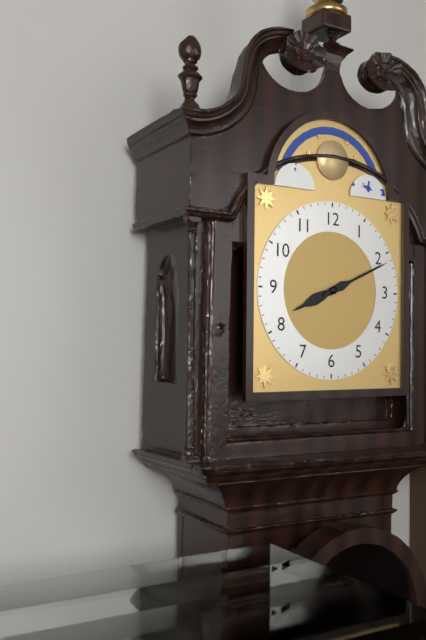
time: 8:11
